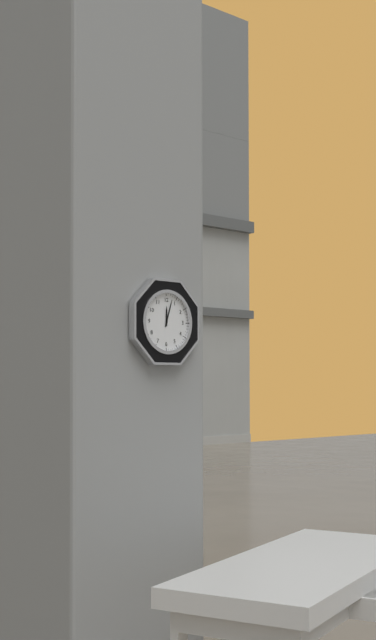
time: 12:03
